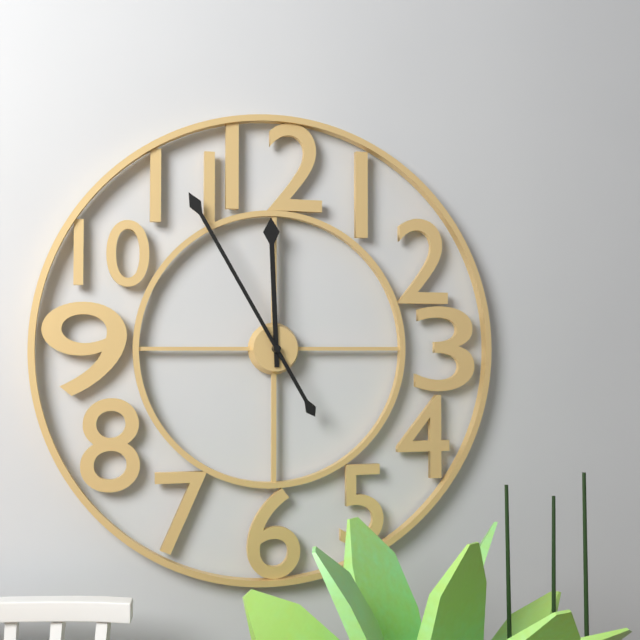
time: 11:55
